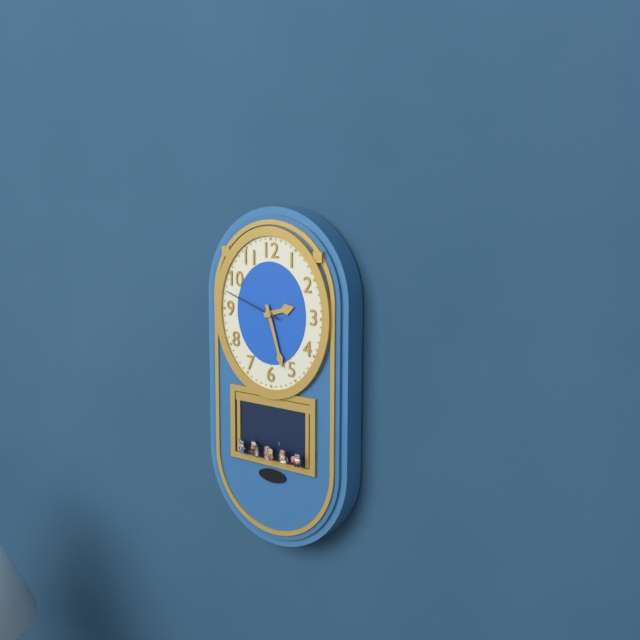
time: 2:27:48
